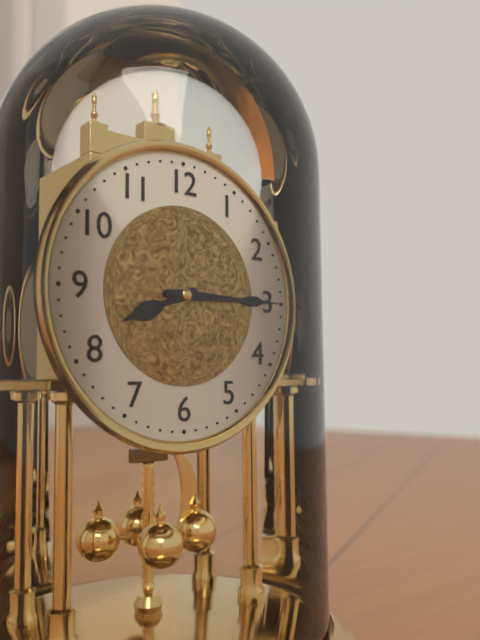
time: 8:15
